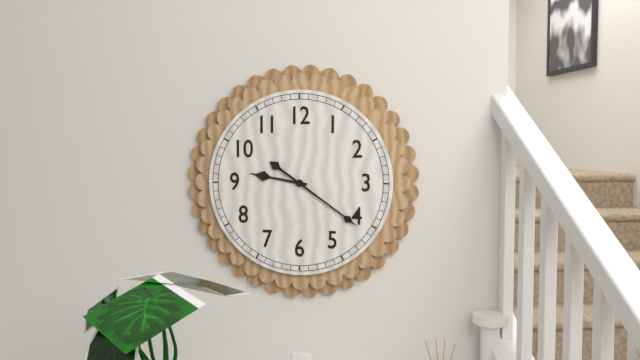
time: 9:21
